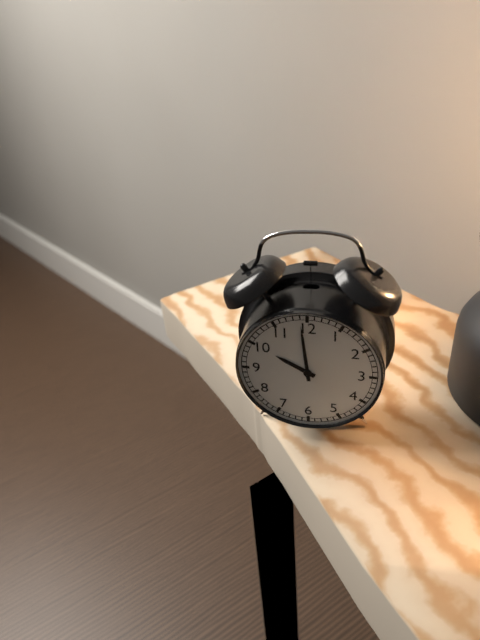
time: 9:59
